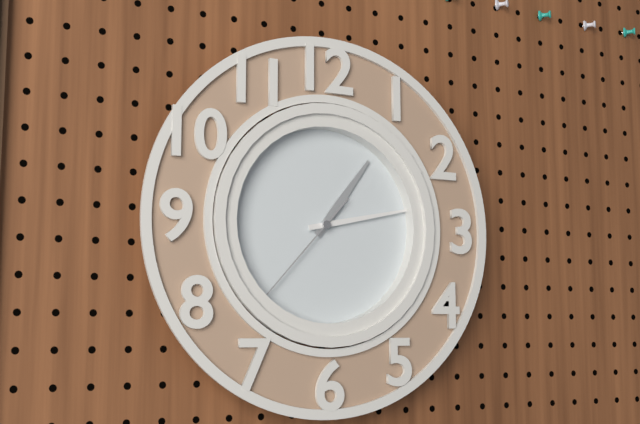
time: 1:13:37
